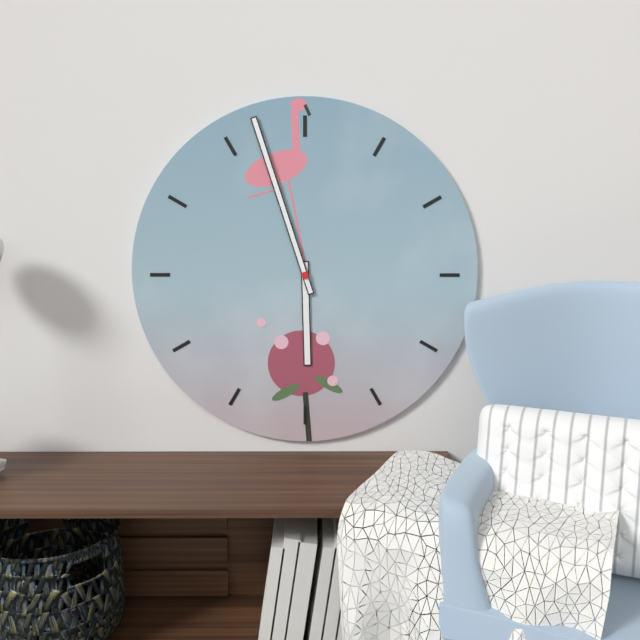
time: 5:57
